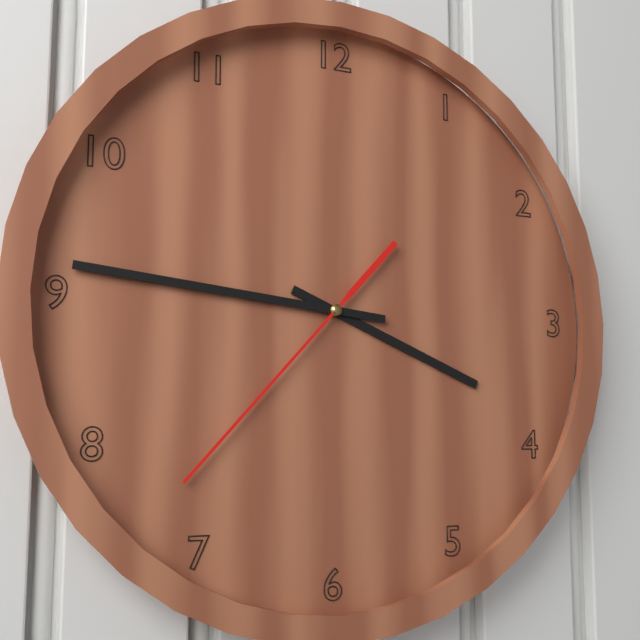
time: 3:46:37
